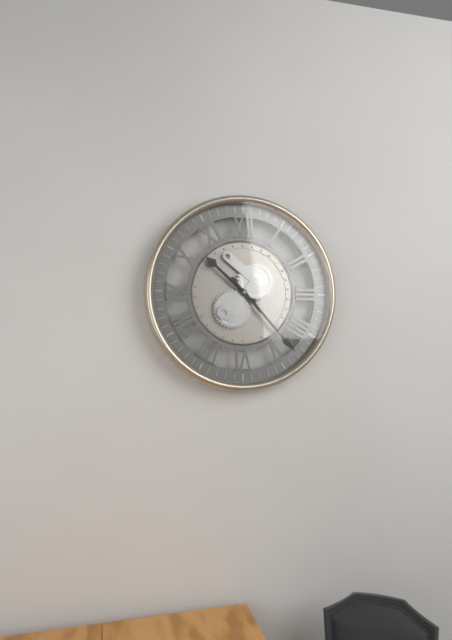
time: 10:23
